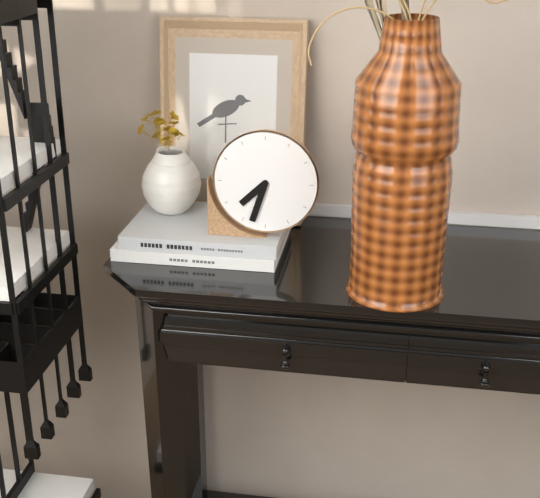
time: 7:33
